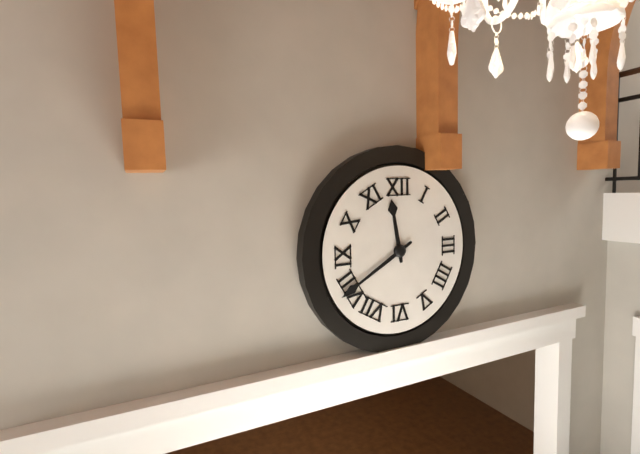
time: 11:40
